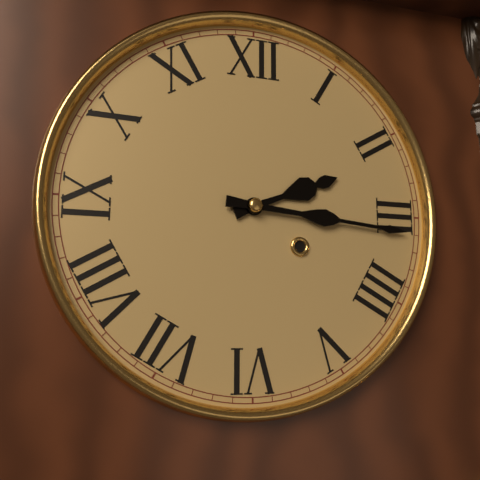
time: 2:16
